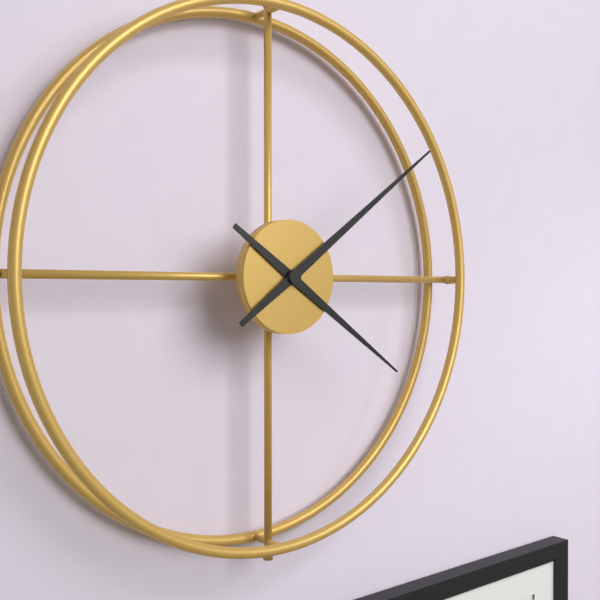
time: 4:09
